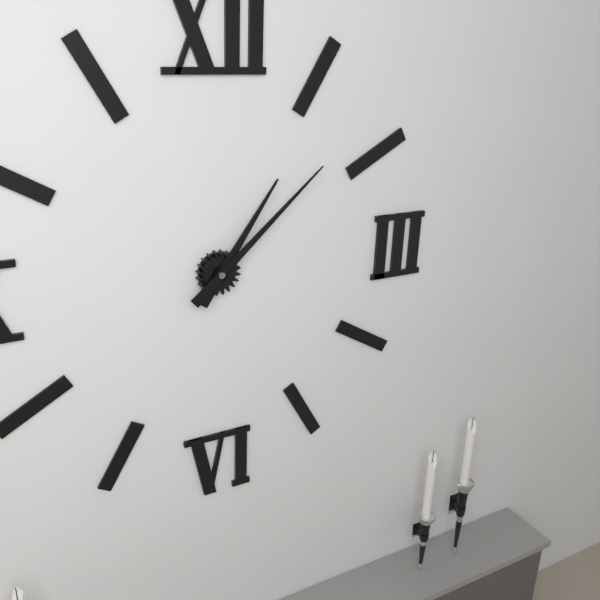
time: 1:08
